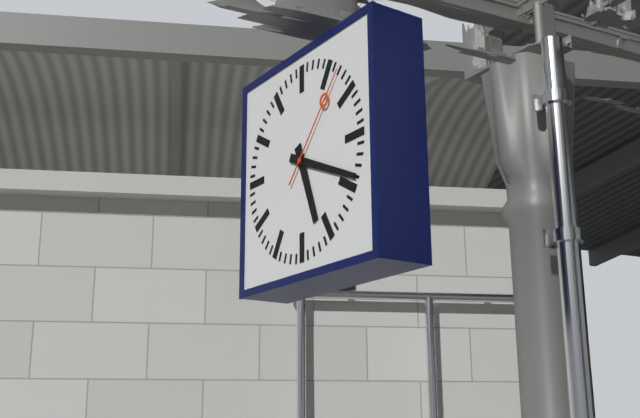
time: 5:19:07
